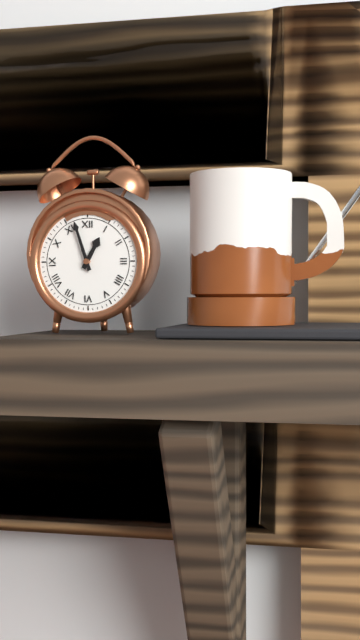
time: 12:57
